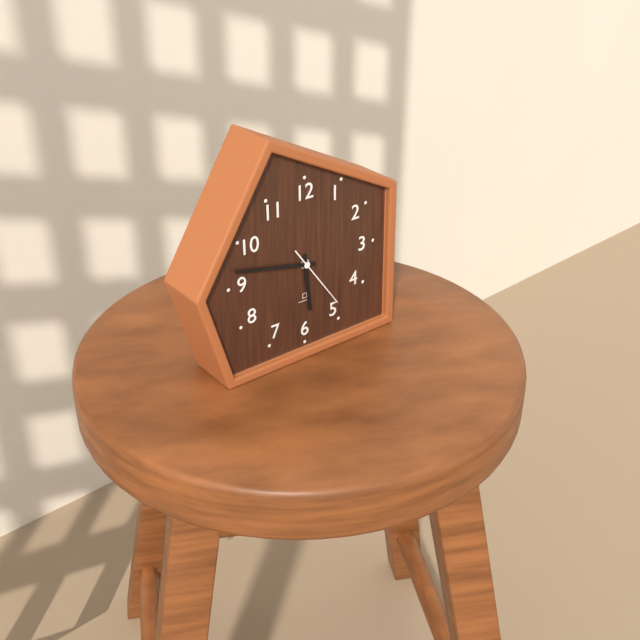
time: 5:47:24
